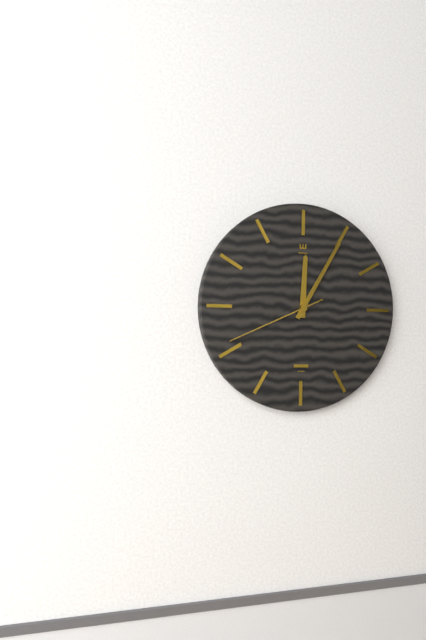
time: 12:05:41
